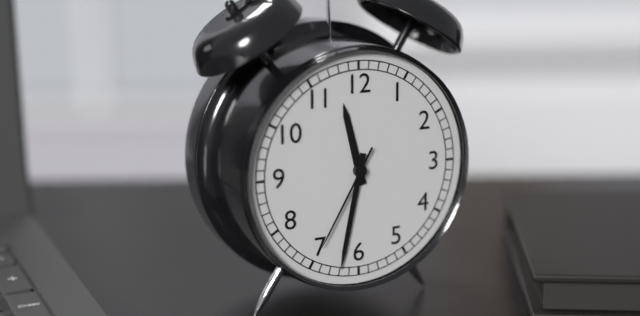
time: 11:32:35
